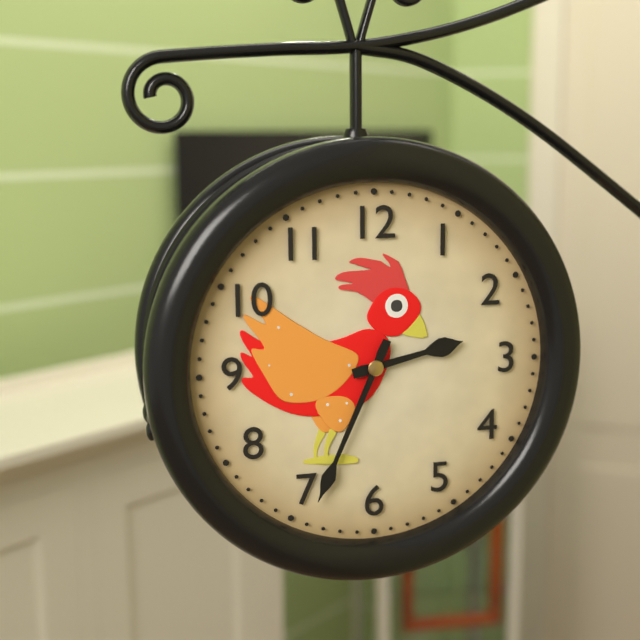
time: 2:34
